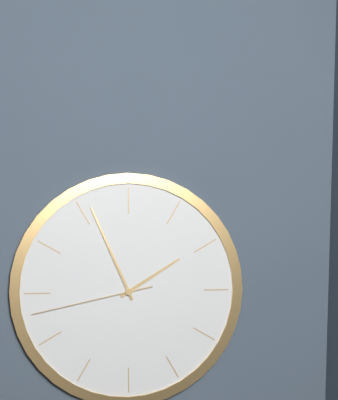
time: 1:56:43
